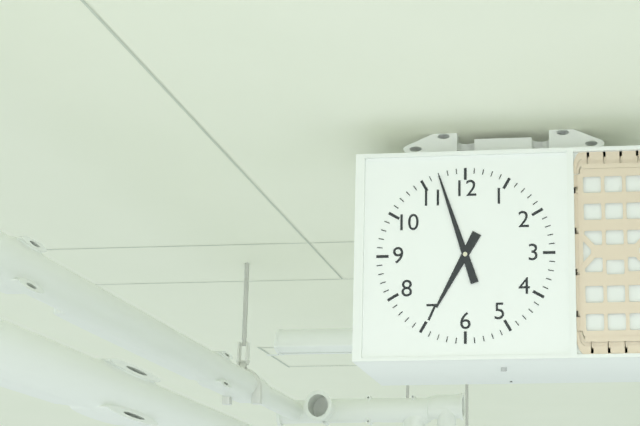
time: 6:57
